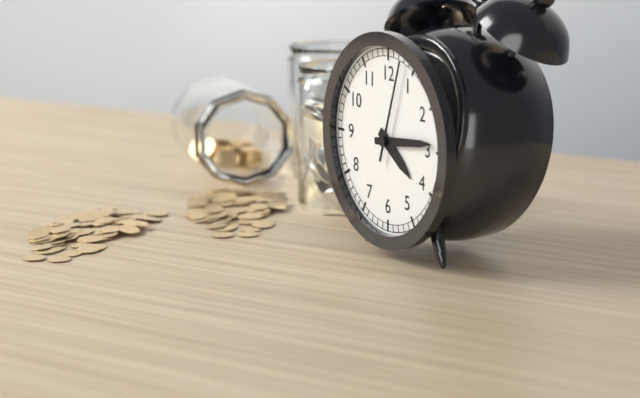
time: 4:14:03
